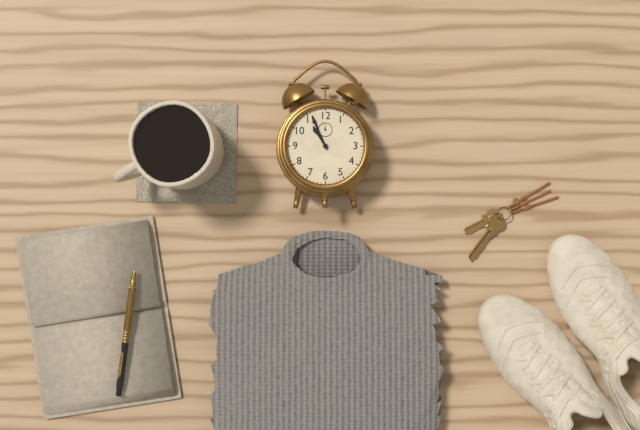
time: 10:56
